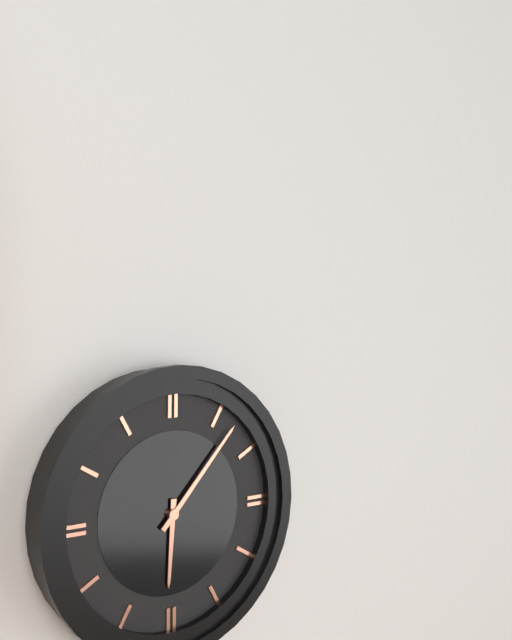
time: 6:07
